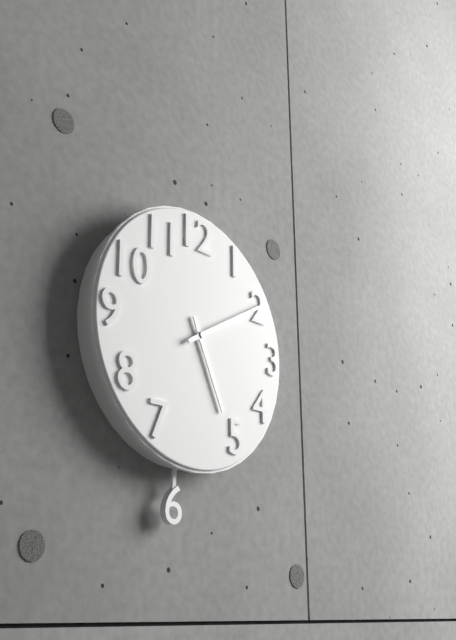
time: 5:10
